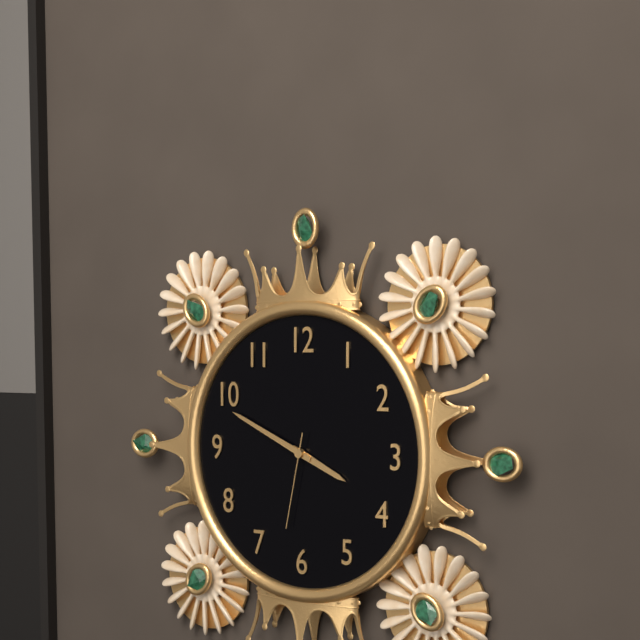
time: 3:49:32
